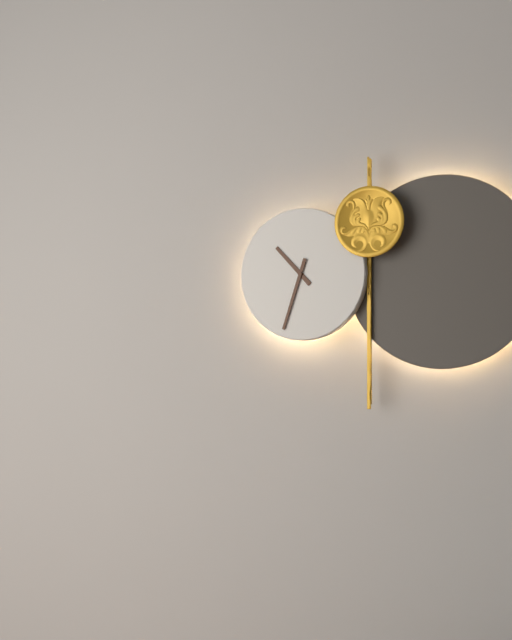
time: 10:33
